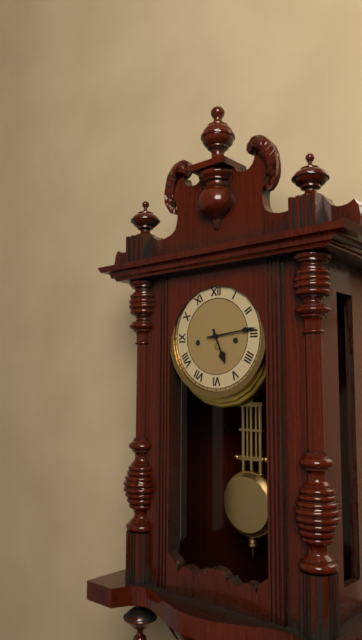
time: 5:14
